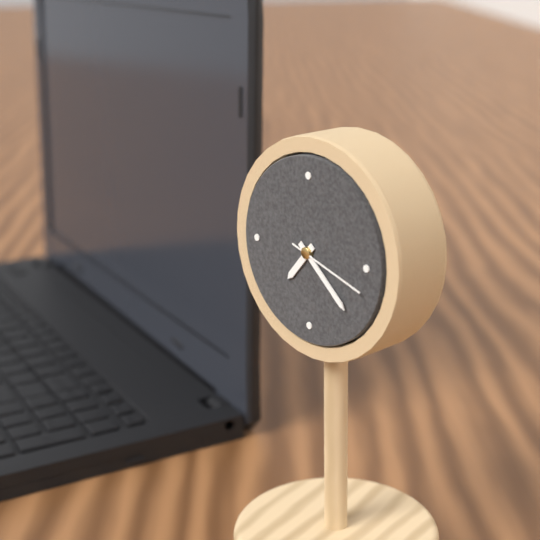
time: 7:22:18
